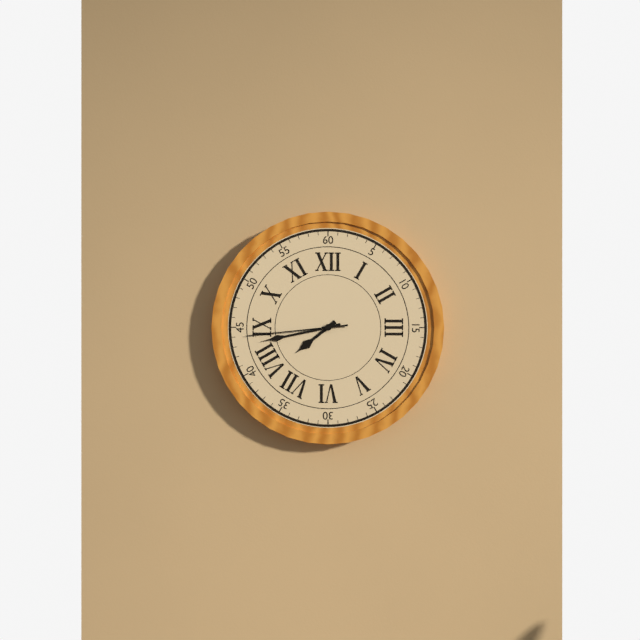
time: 7:43:44
